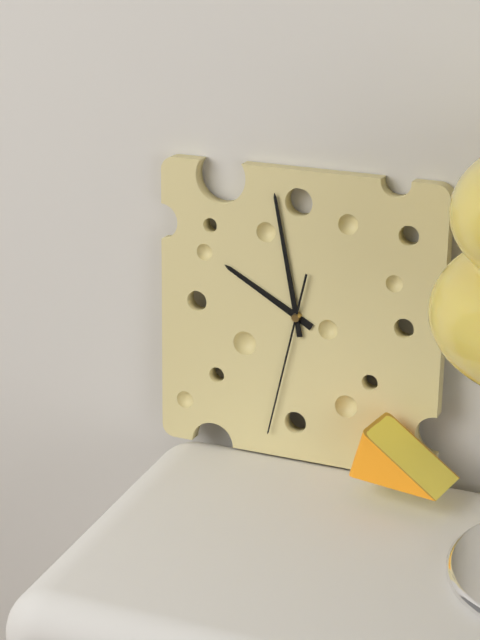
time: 9:58:32
